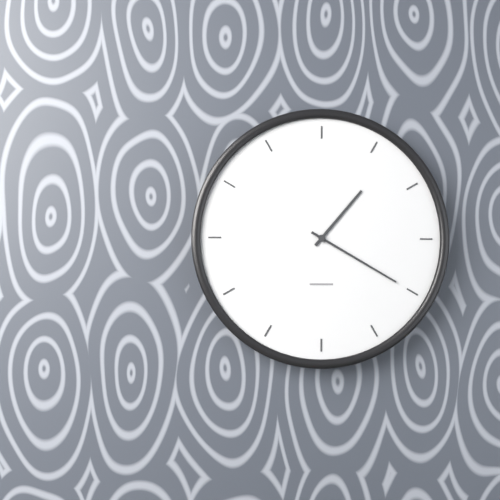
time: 1:20
